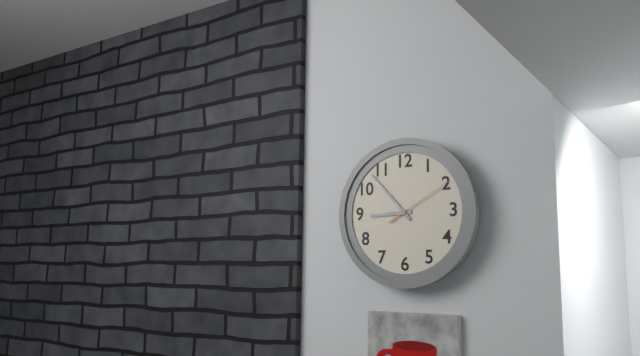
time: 8:53:10
